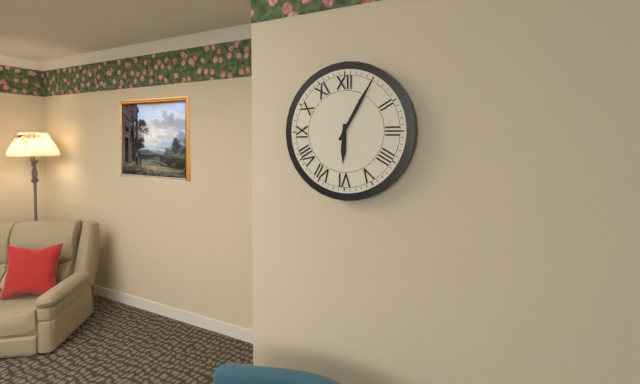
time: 6:05
